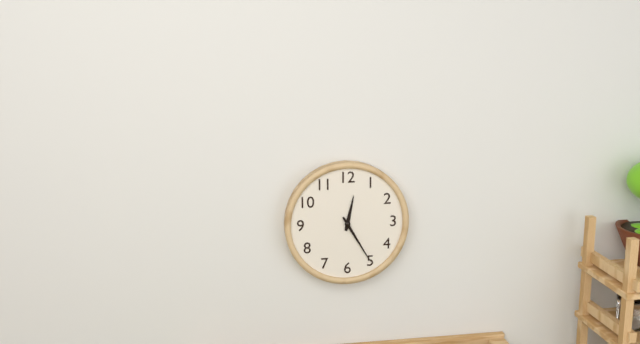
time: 12:25
